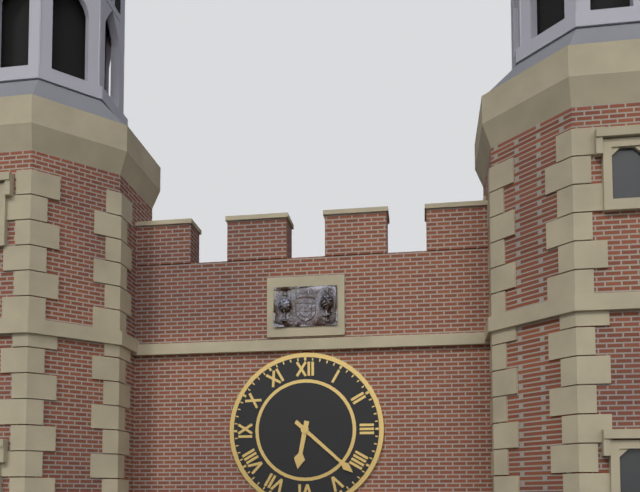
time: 6:22
